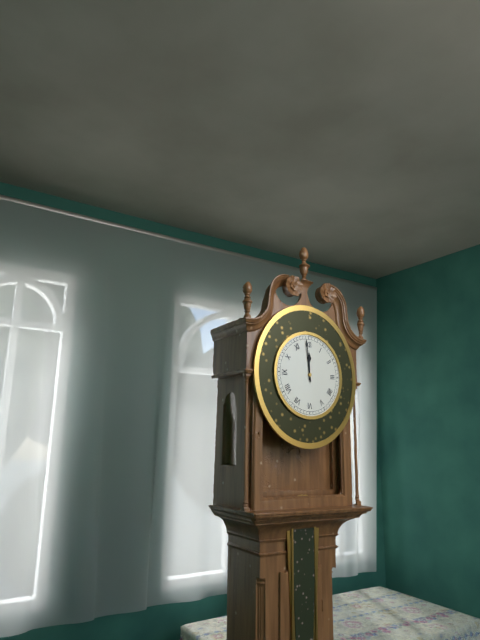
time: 11:59
